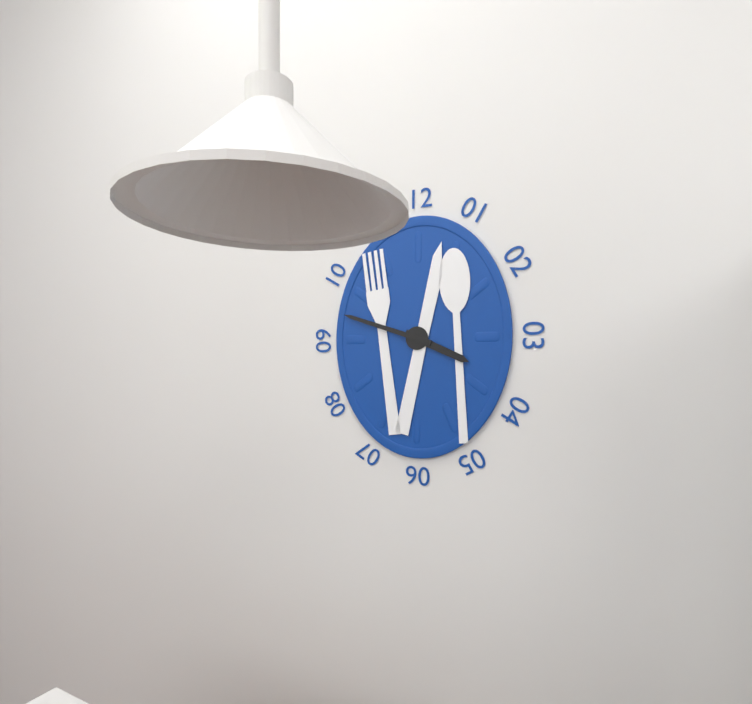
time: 3:48
